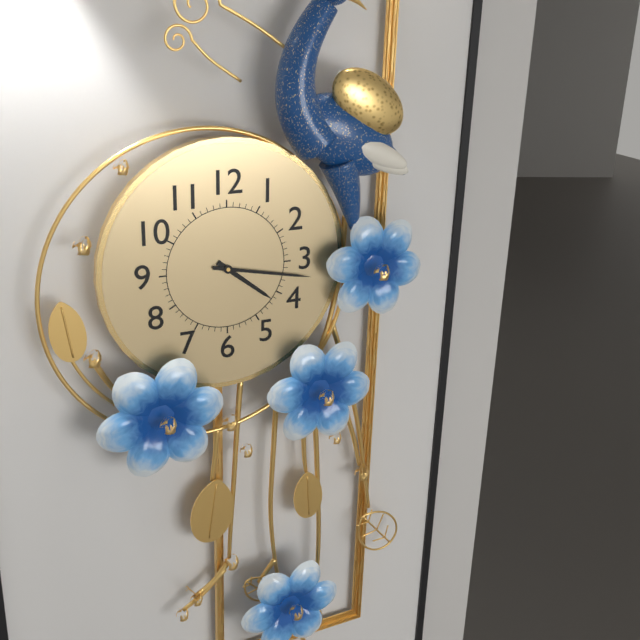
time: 4:17
